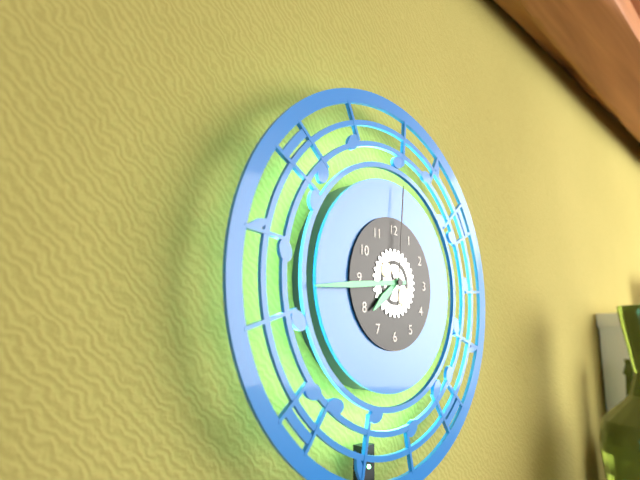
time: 7:44:01
